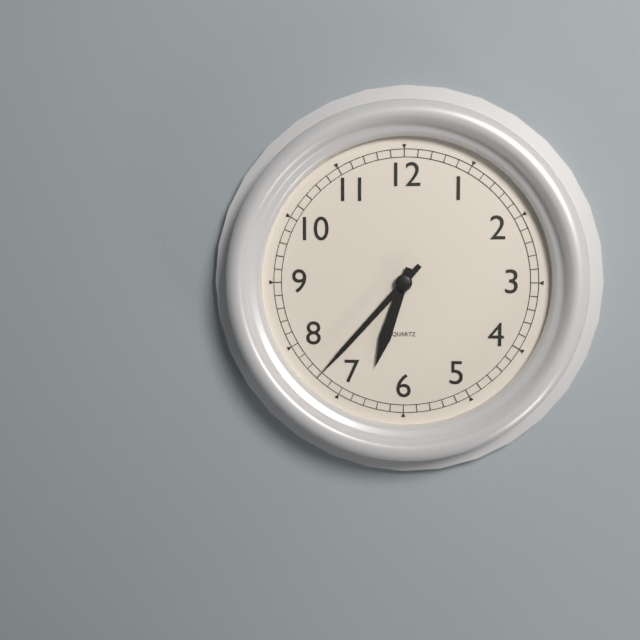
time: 6:37
